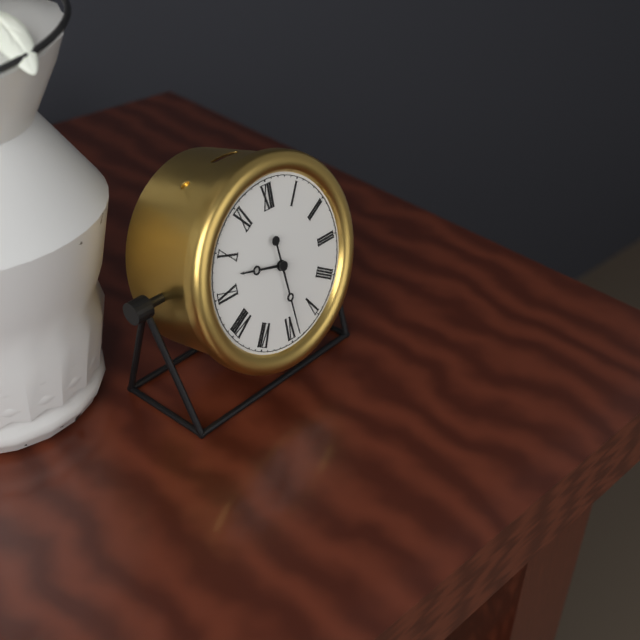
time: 9:29
